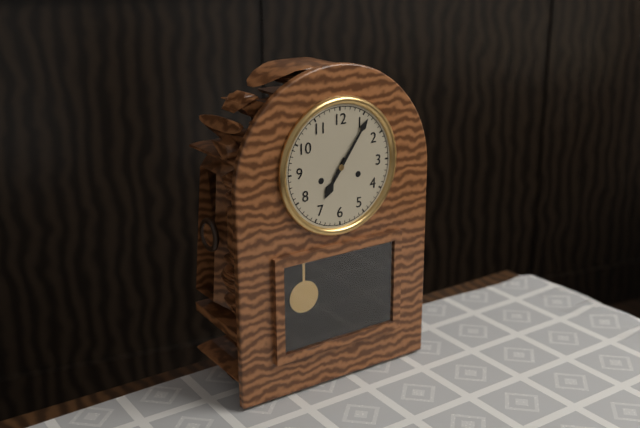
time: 7:06
